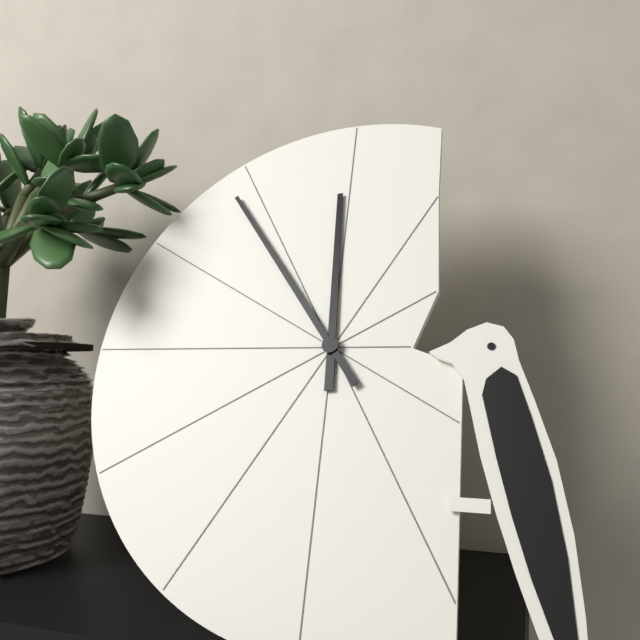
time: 11:54
